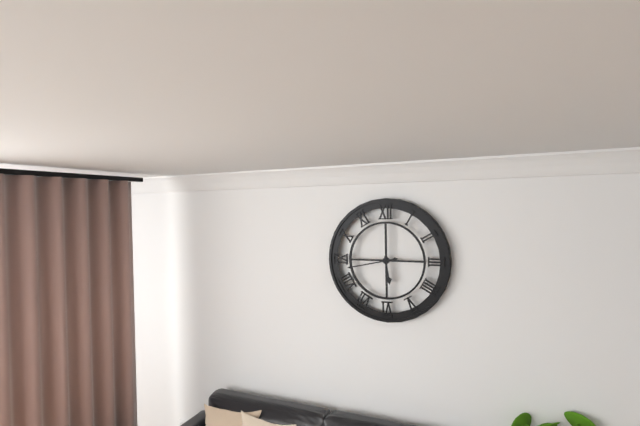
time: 5:43
